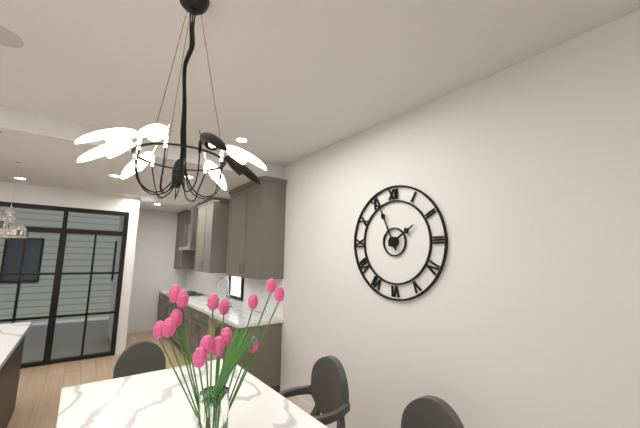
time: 1:56
